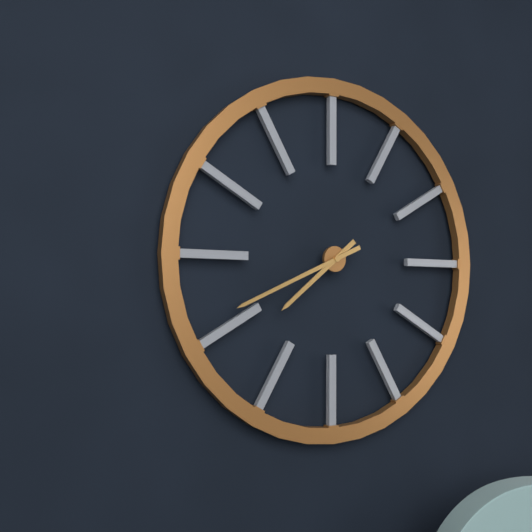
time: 7:41
